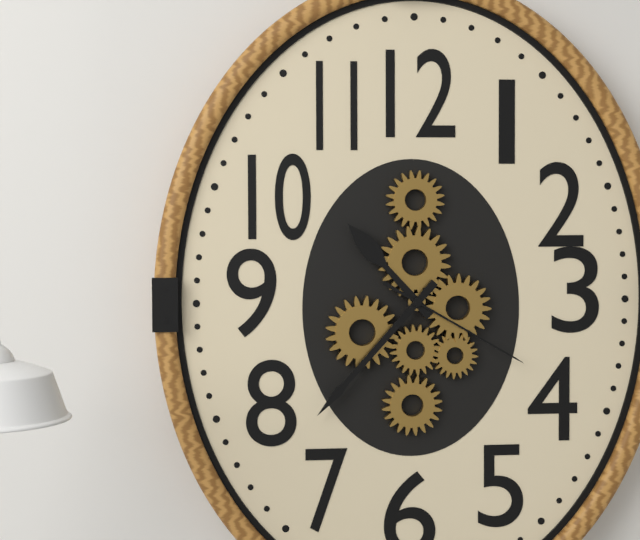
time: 10:37:20
